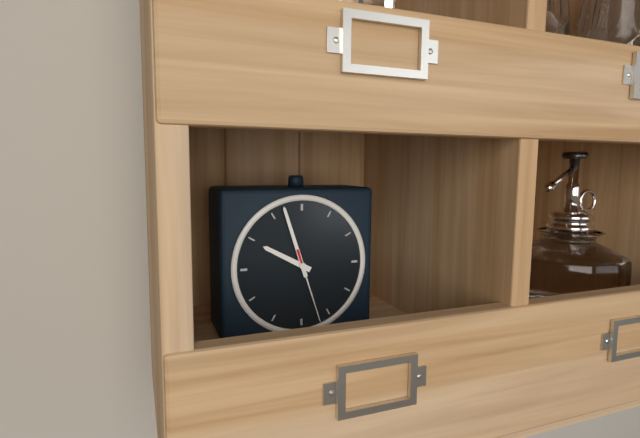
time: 9:57:27
